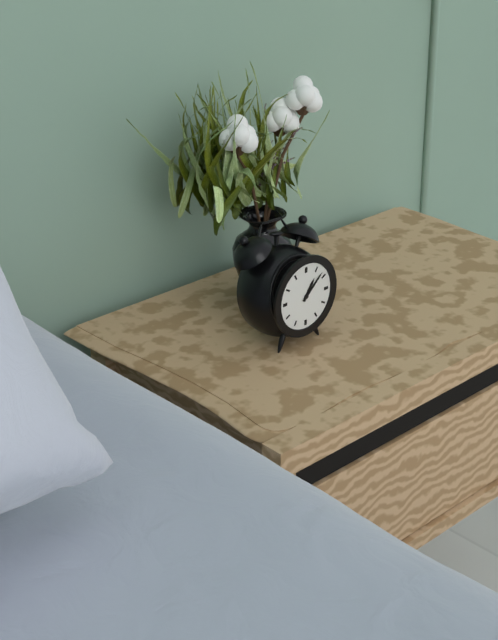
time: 1:08
